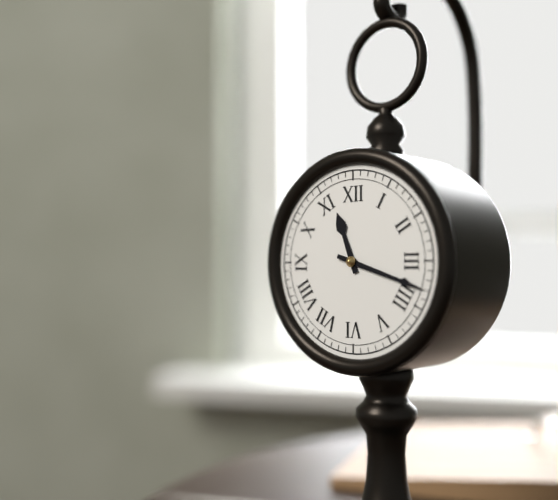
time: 11:18
